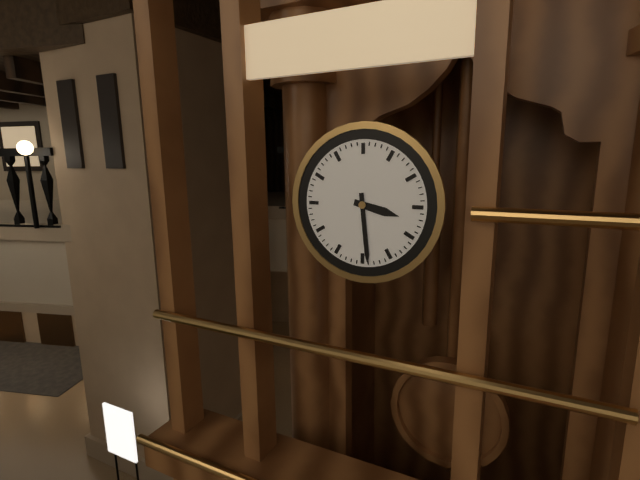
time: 3:29
